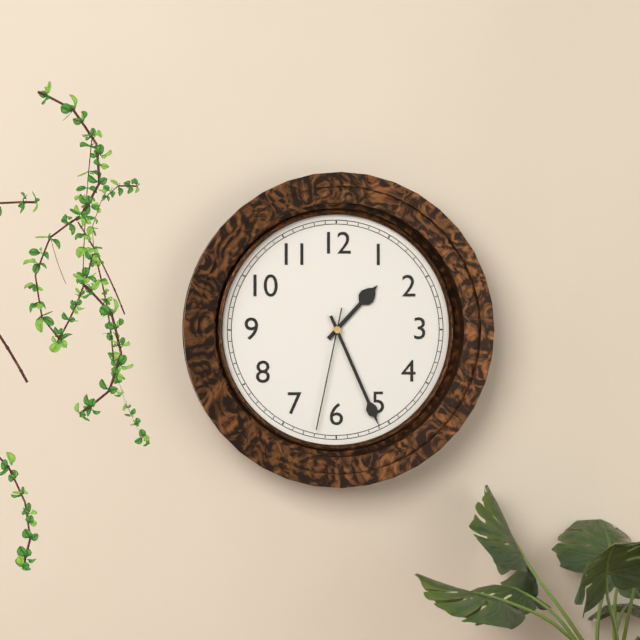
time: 1:26:32
